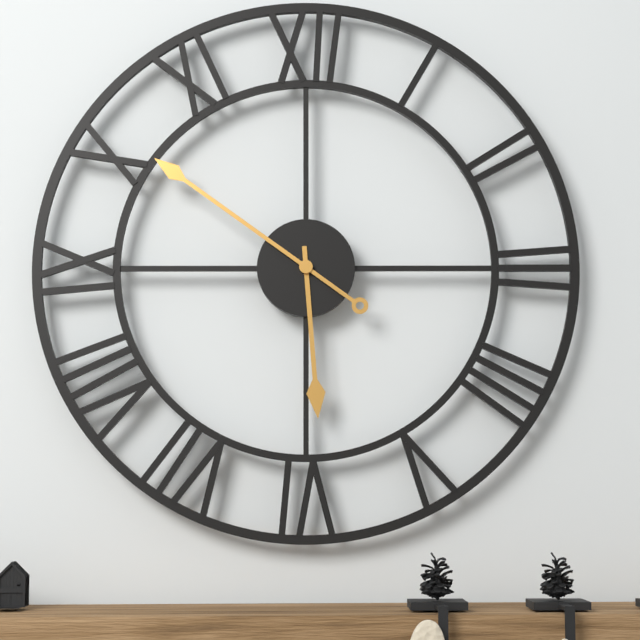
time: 5:51
